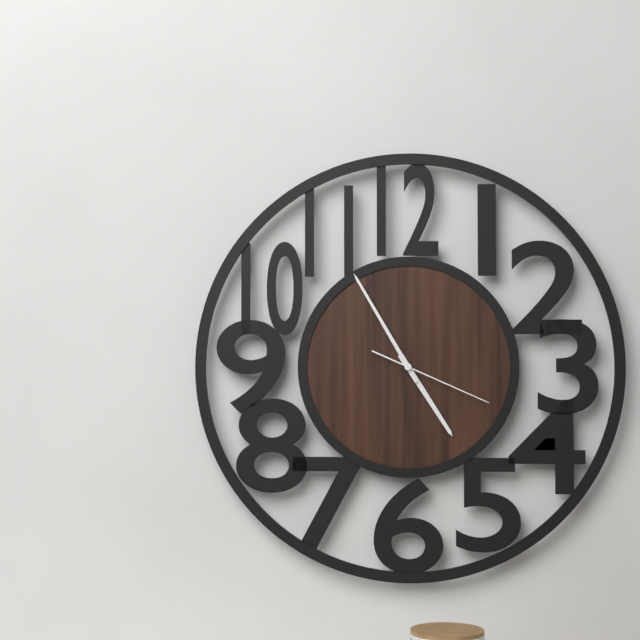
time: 4:55:19
